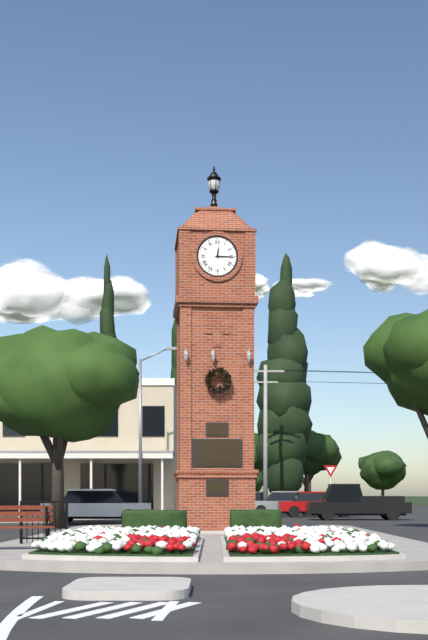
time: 12:15
